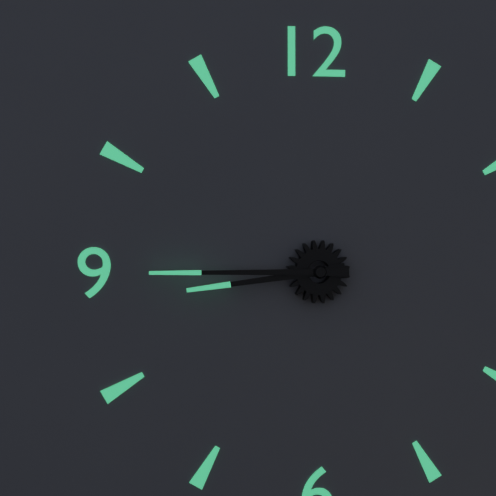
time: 8:45
